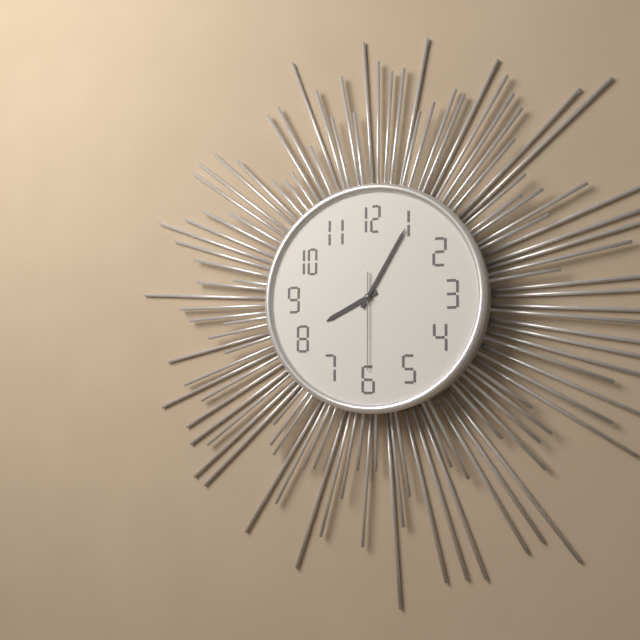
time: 8:05:30
